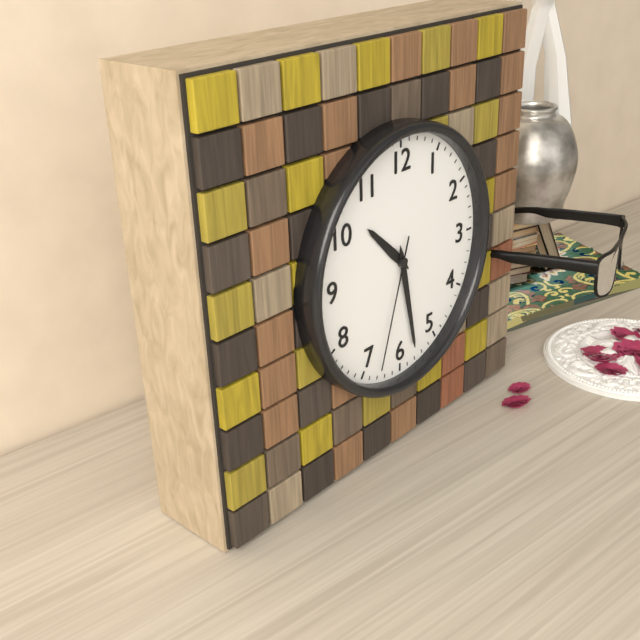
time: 10:28:33
